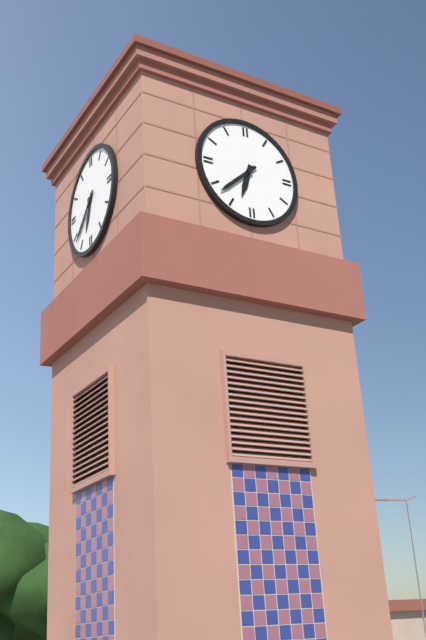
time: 6:38
